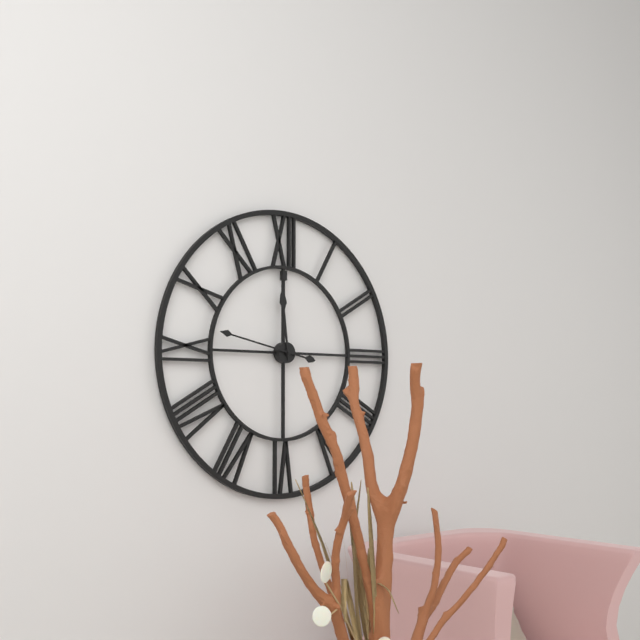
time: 11:47
